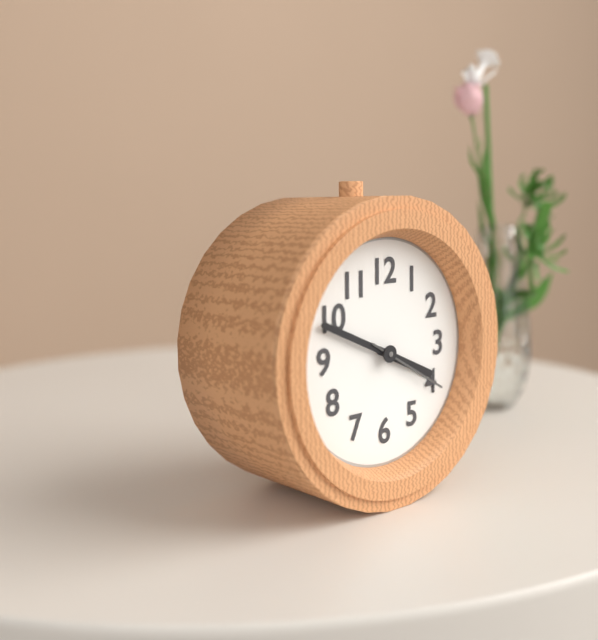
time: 3:49:20
